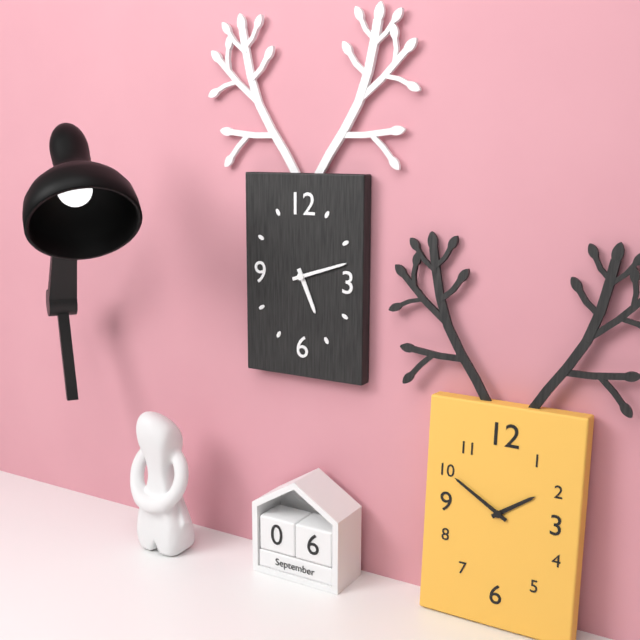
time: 5:12
